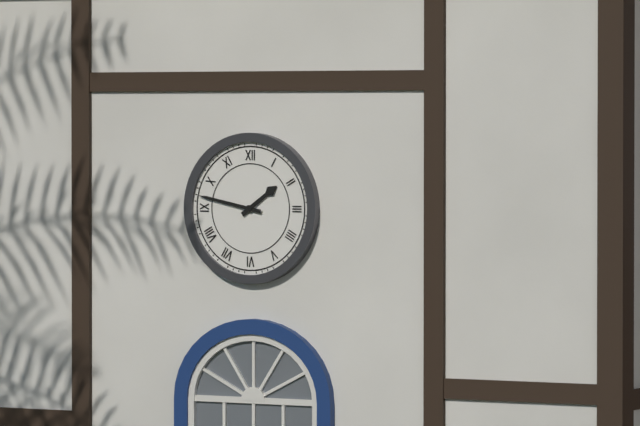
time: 1:47
